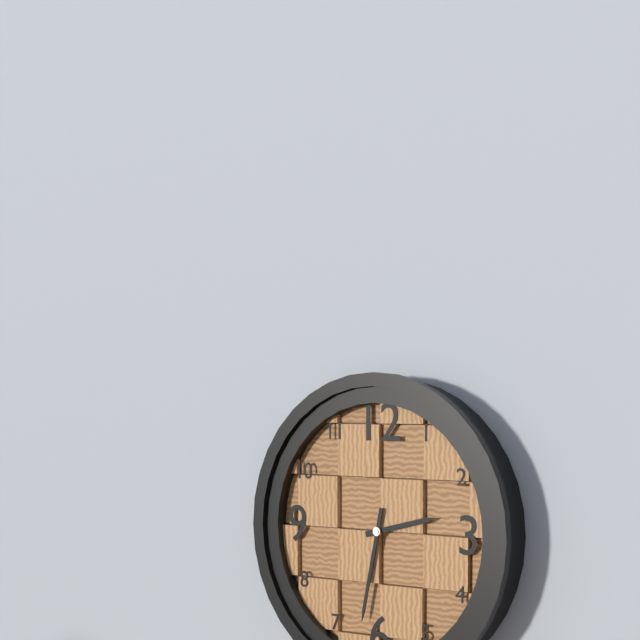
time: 2:32
